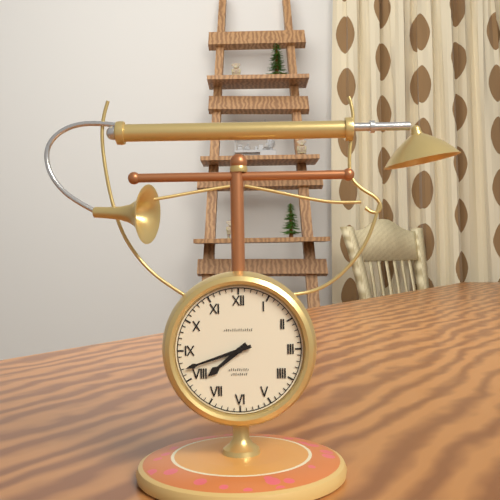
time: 7:42
